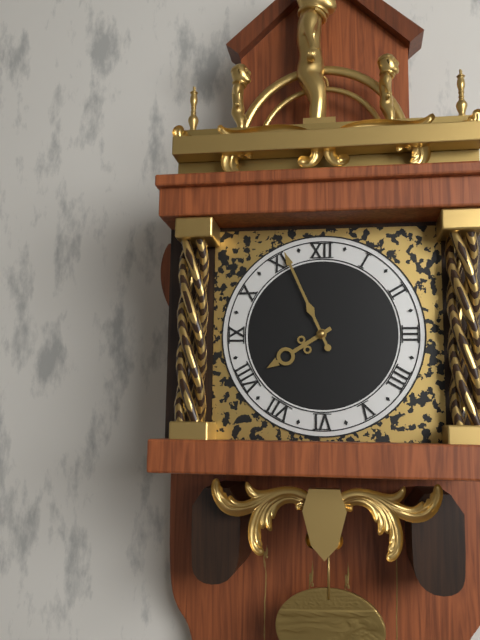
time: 7:56
